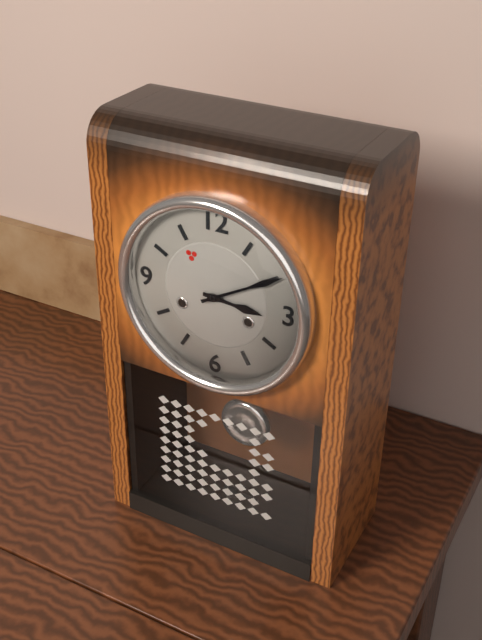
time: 3:10
